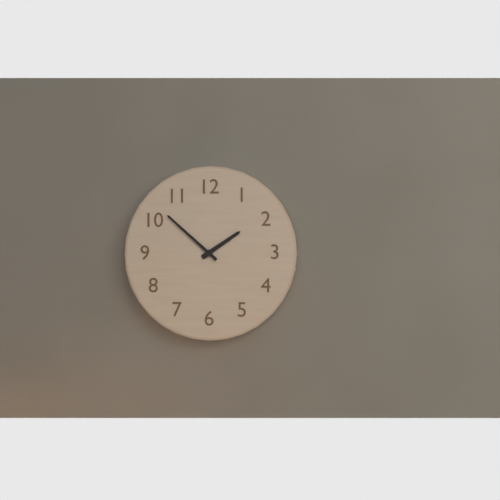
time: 1:52
